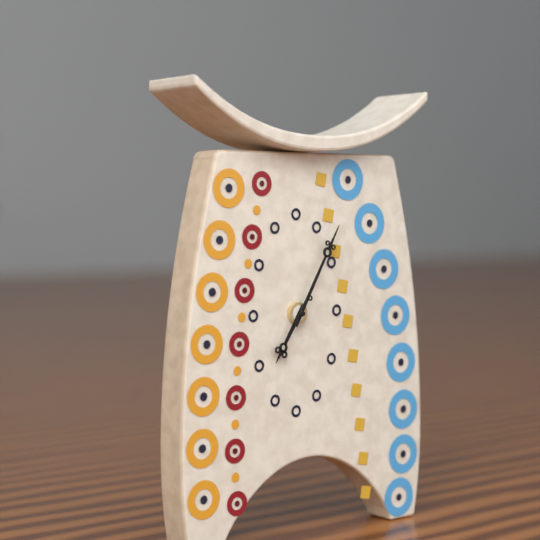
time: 7:05
